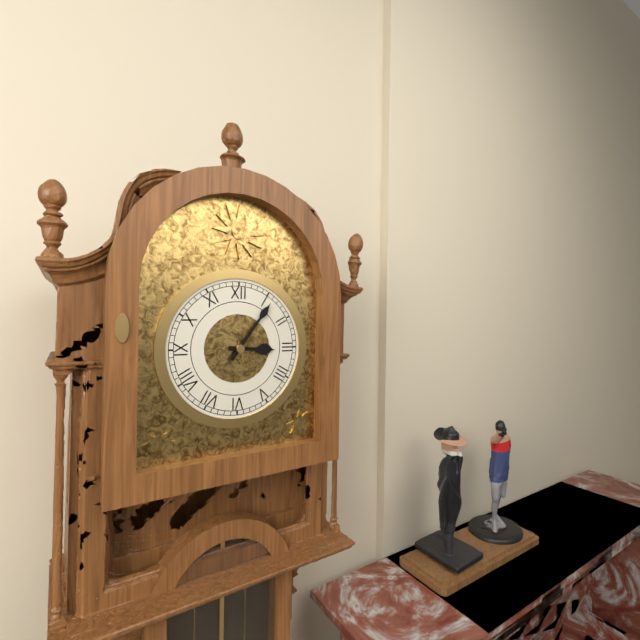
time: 3:06
